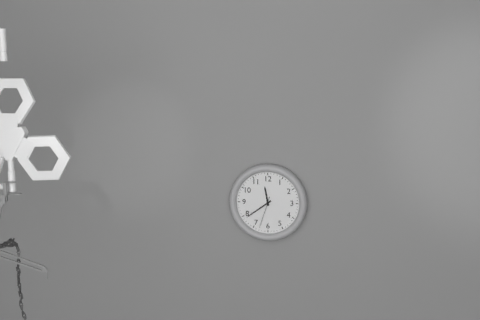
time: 11:39
